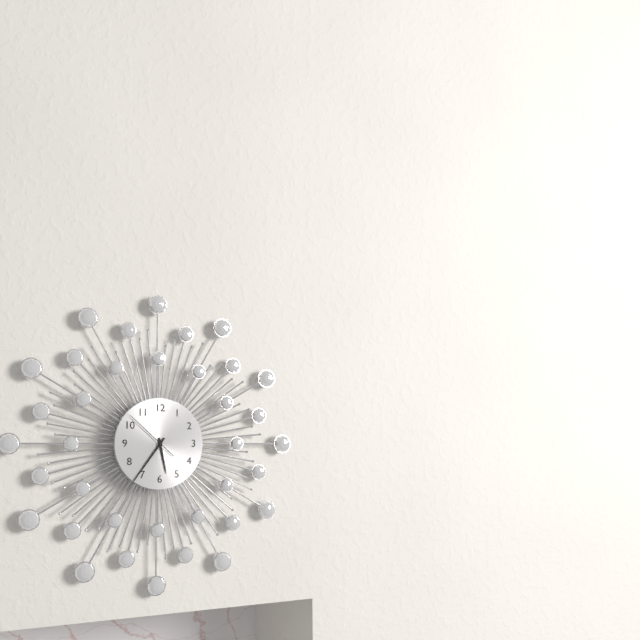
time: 5:36:52
